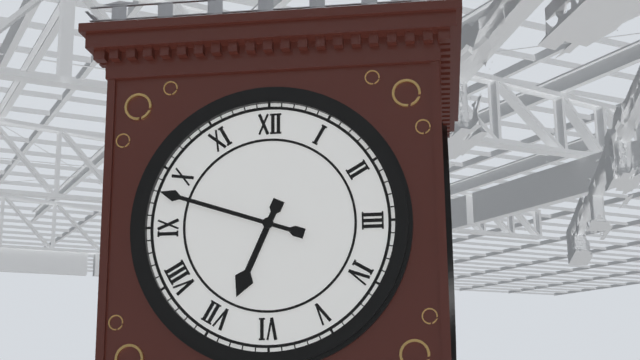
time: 6:48
